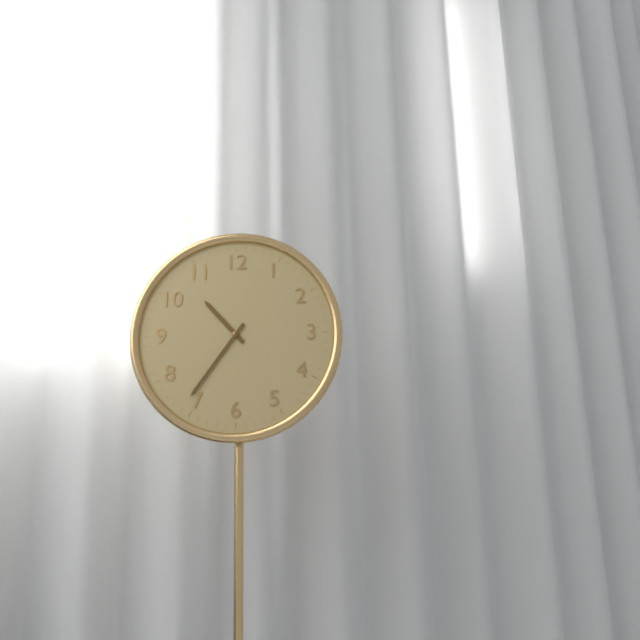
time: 10:36
